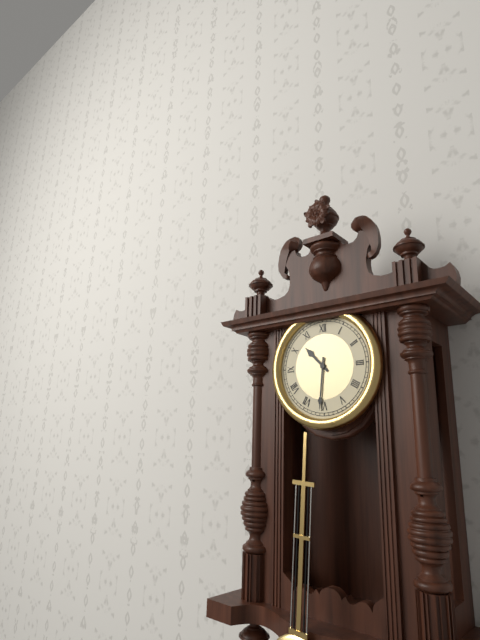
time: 10:31
